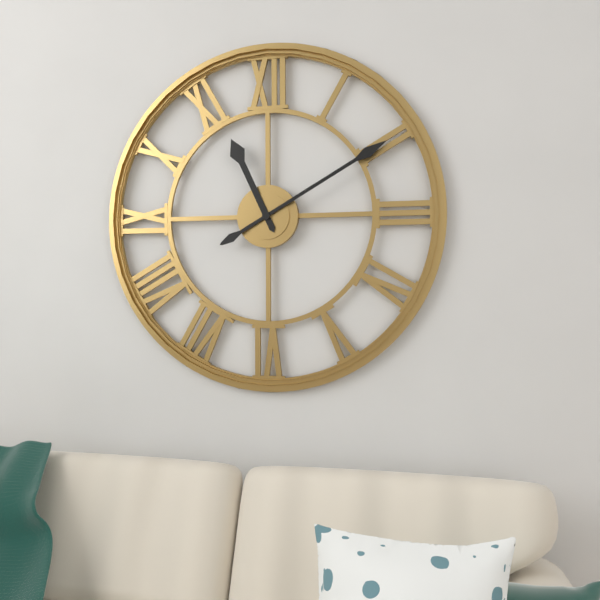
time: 11:10
